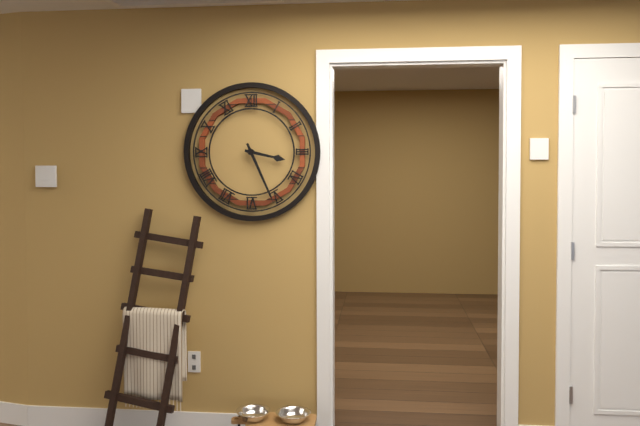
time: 3:26
